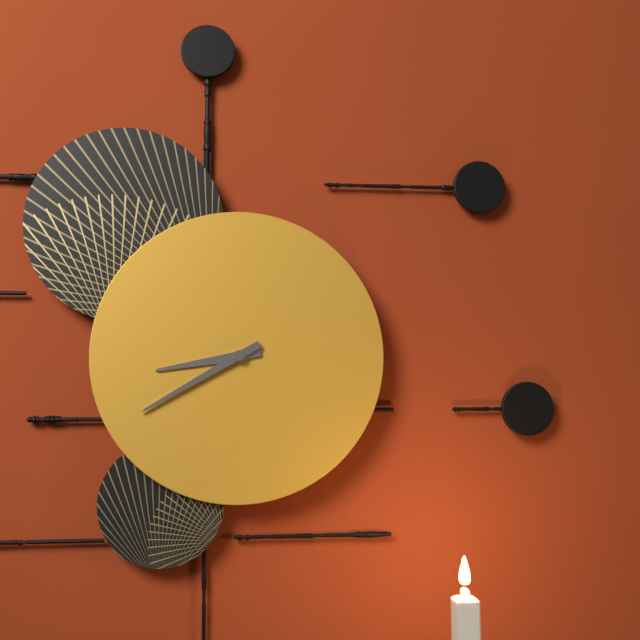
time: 8:40
